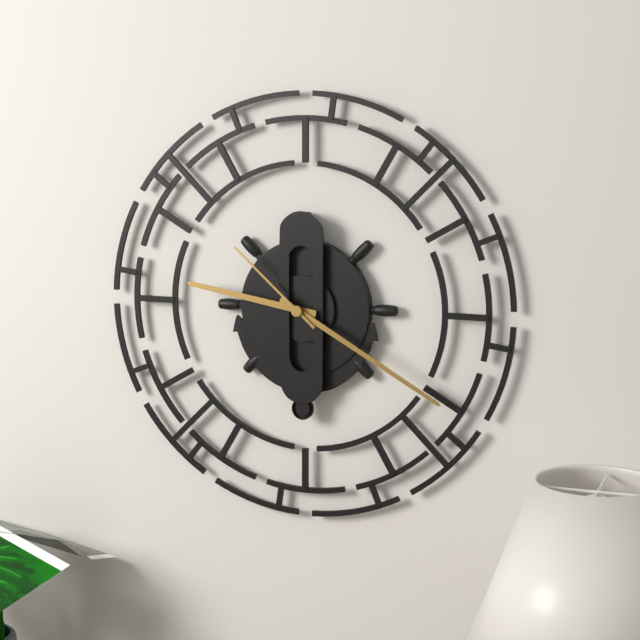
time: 9:20:52
